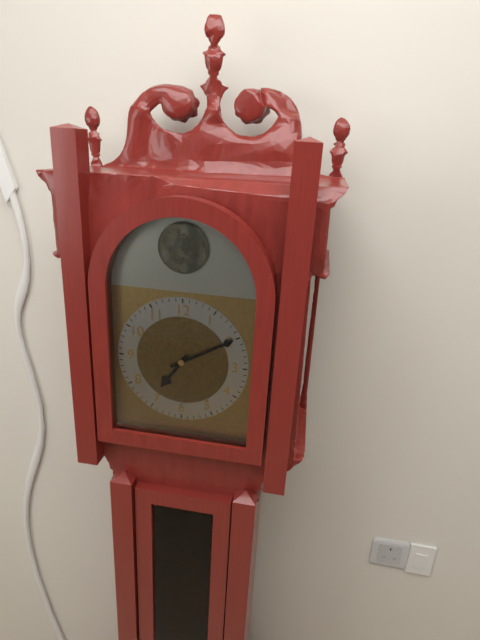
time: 7:10
